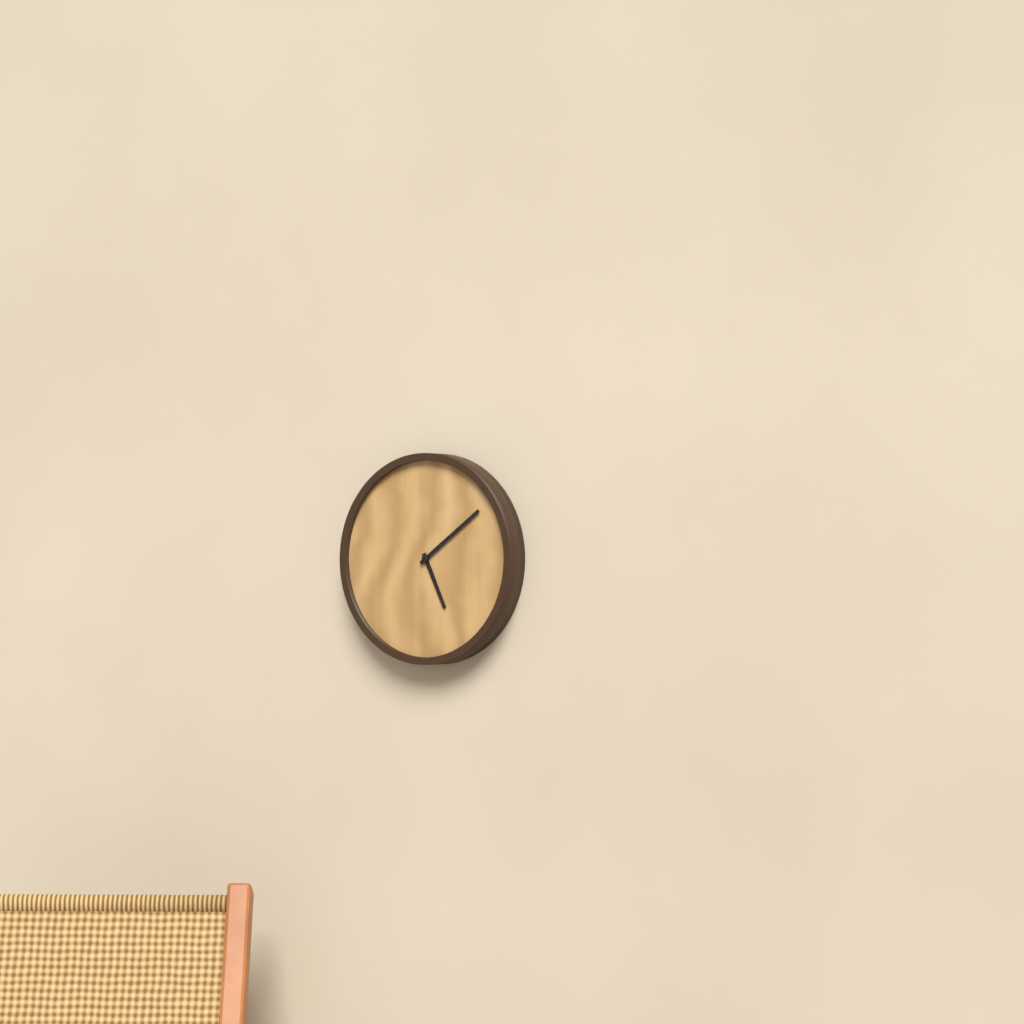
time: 5:09
